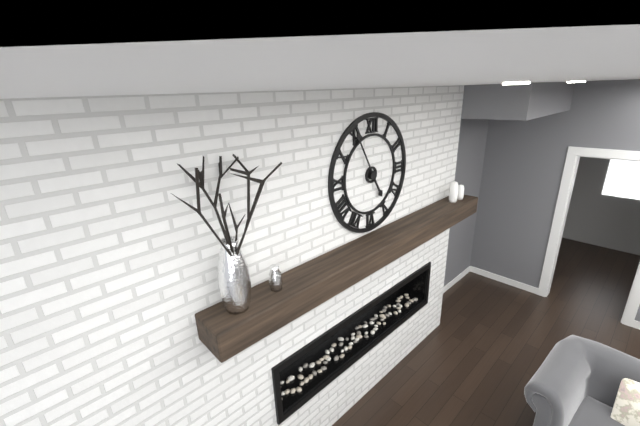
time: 4:55
